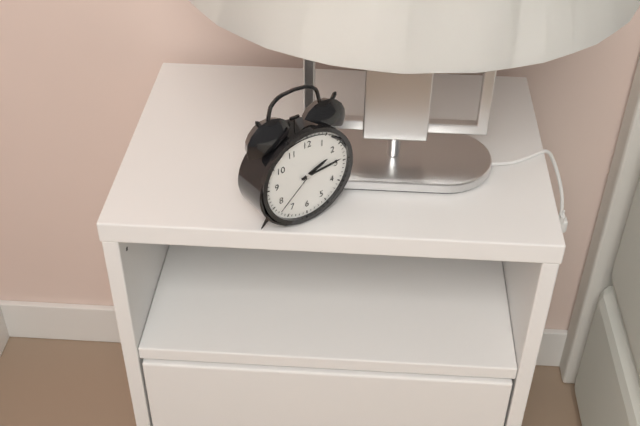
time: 2:14:38
